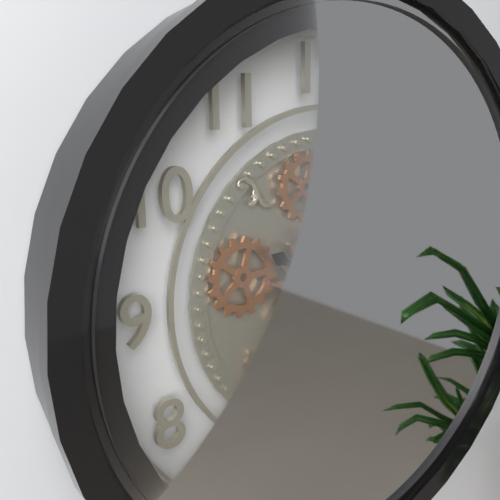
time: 5:20
